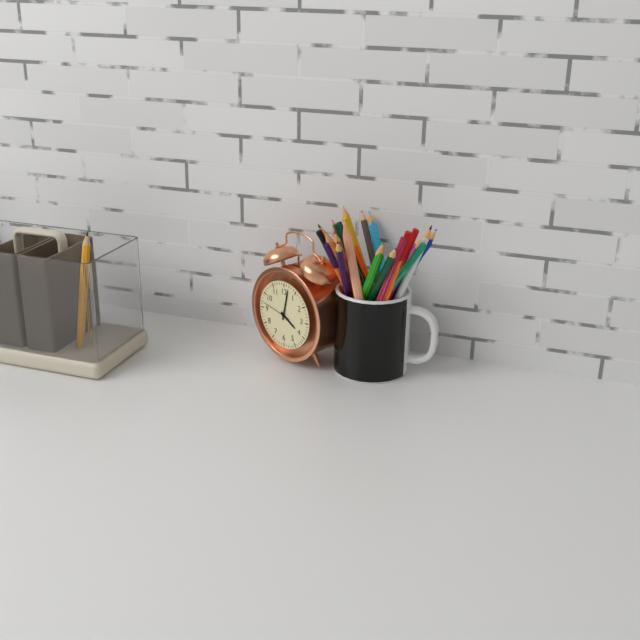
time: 4:02
